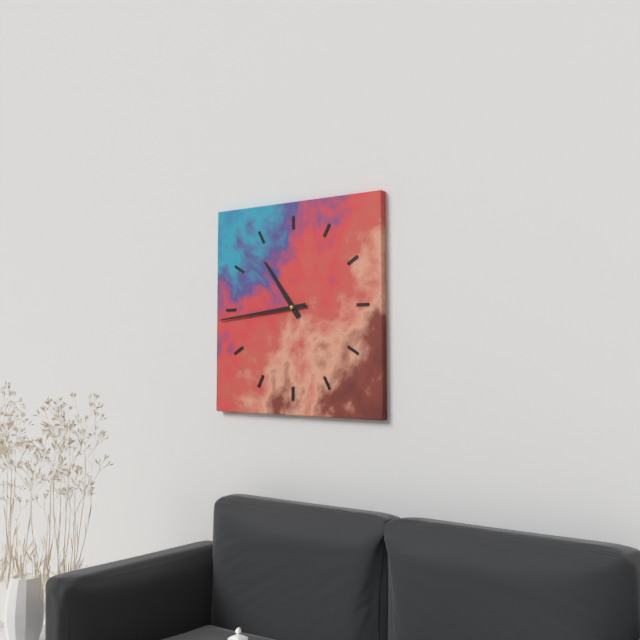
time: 10:44
